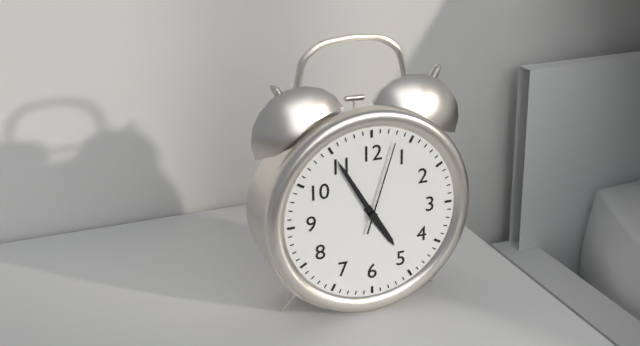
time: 4:55:03
